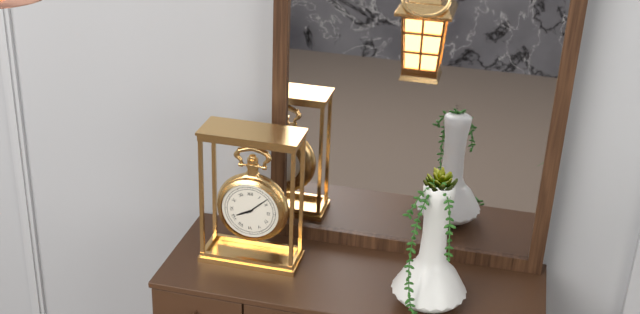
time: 8:08
